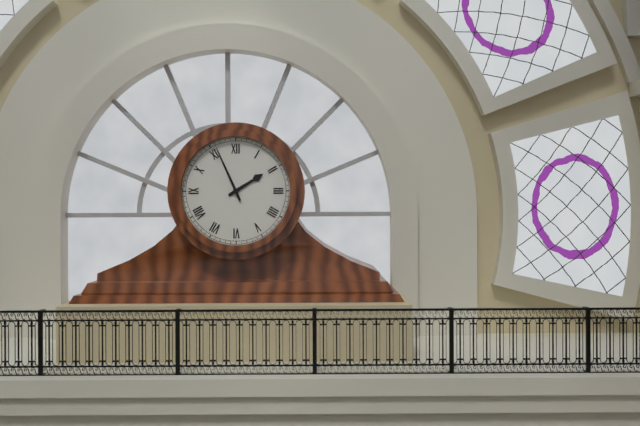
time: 1:56
